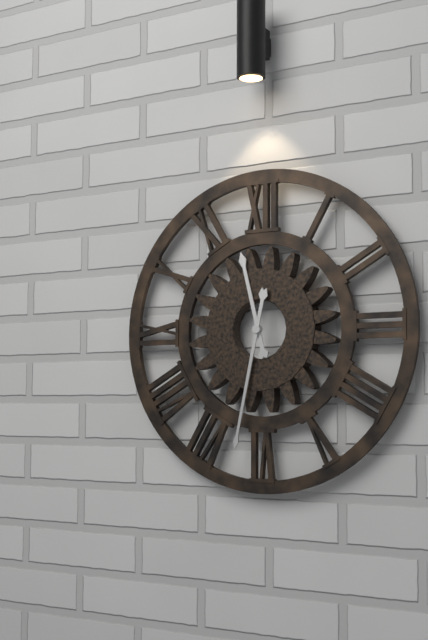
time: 11:32
